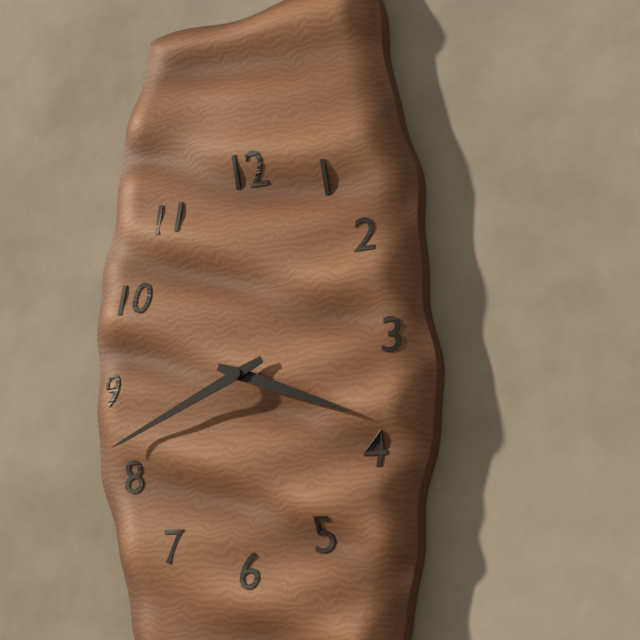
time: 3:41
